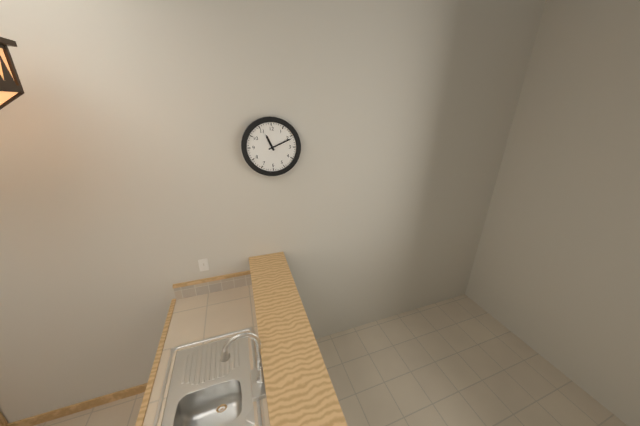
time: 11:11
